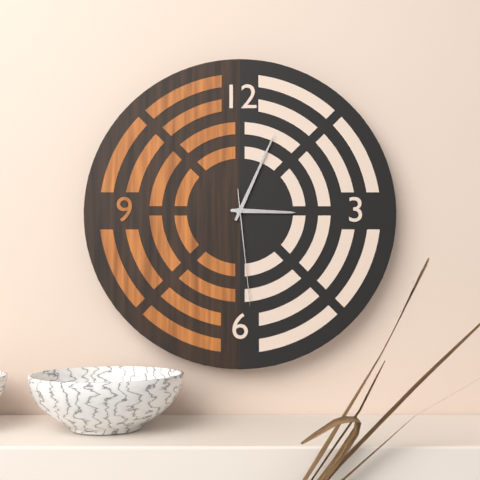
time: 3:04:29
